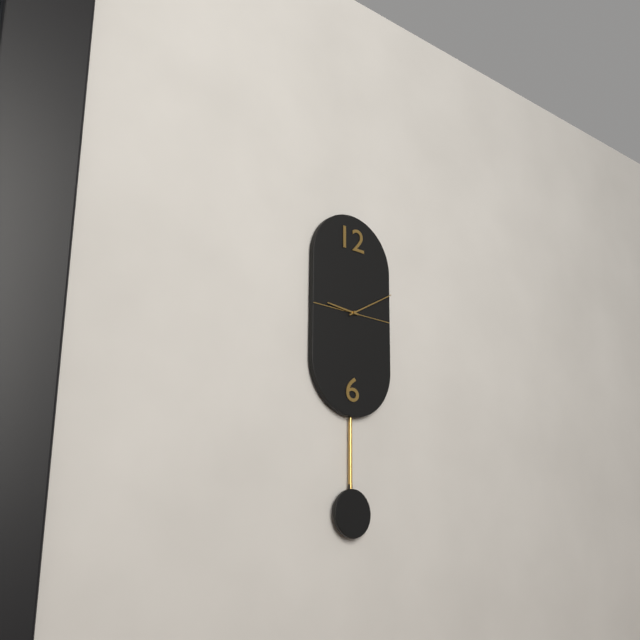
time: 9:10
